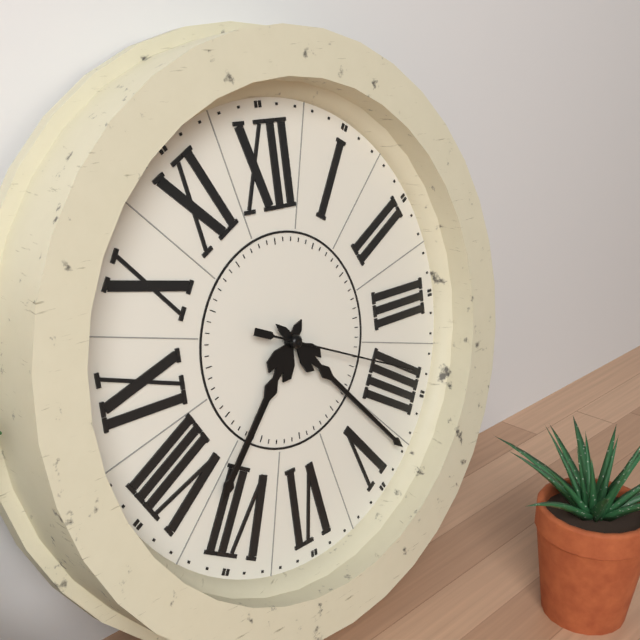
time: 7:23:19
